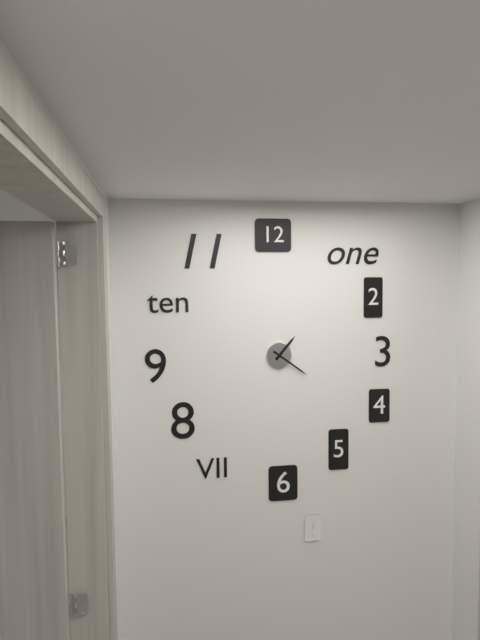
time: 1:21
